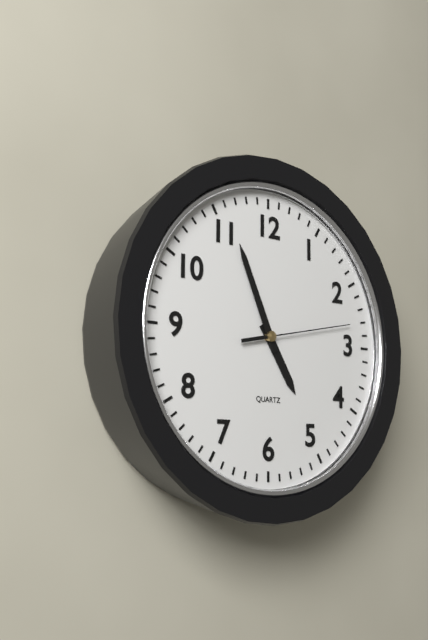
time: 4:56:13
